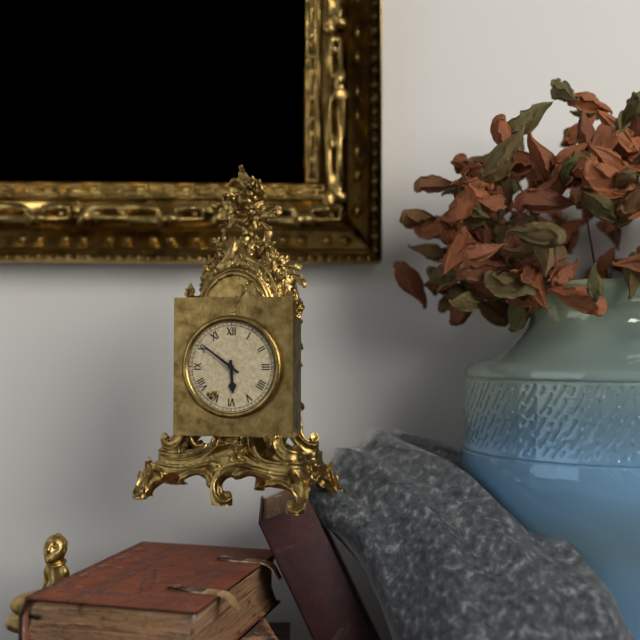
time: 5:51
